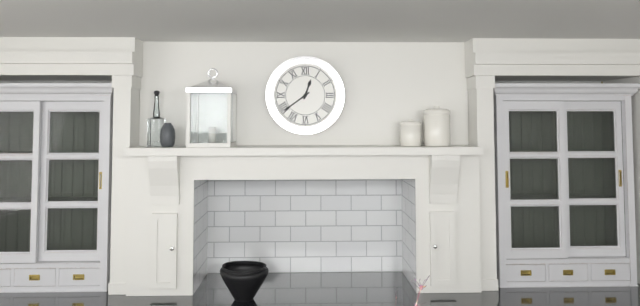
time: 12:39
